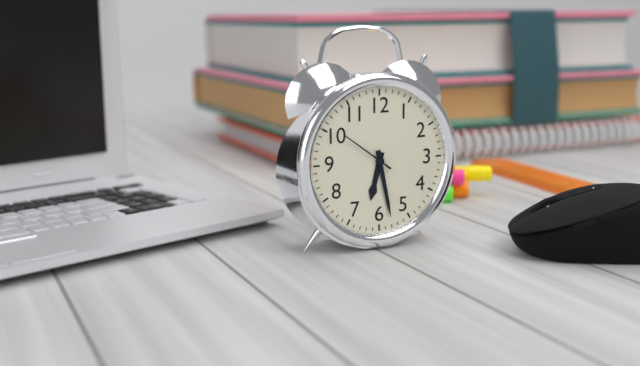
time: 6:28:51
